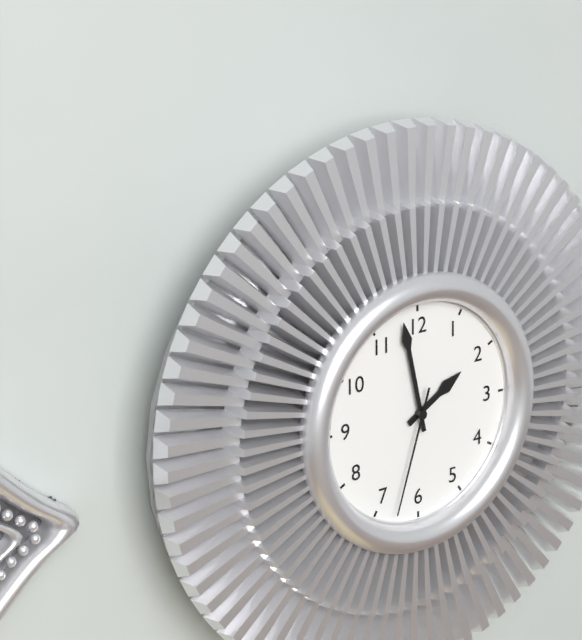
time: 1:58:33
